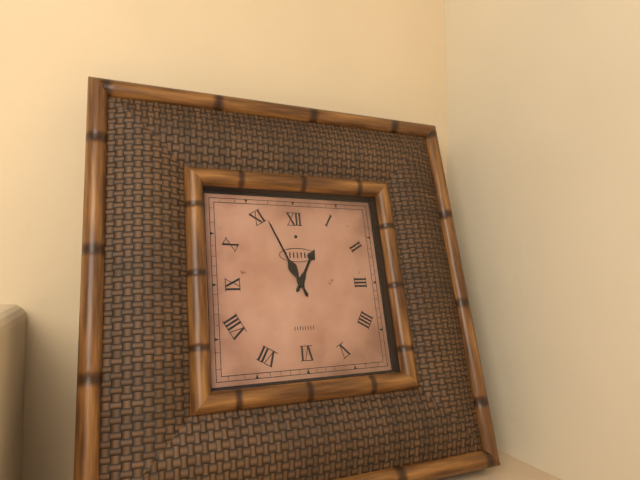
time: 12:56
